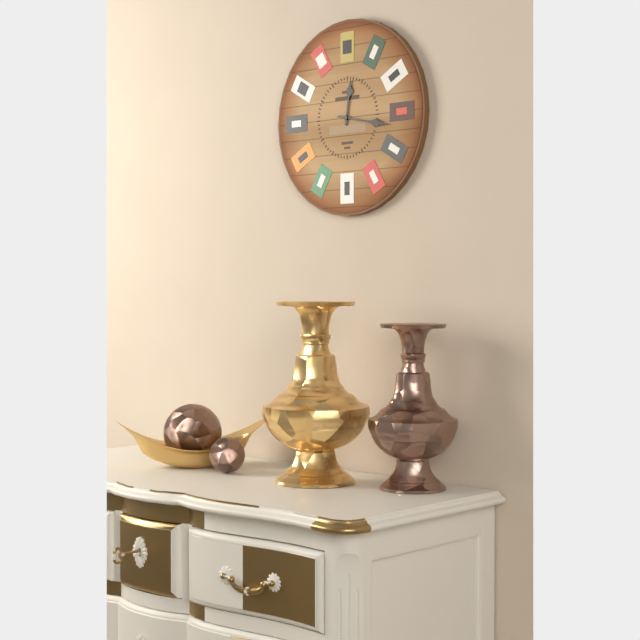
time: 12:17
